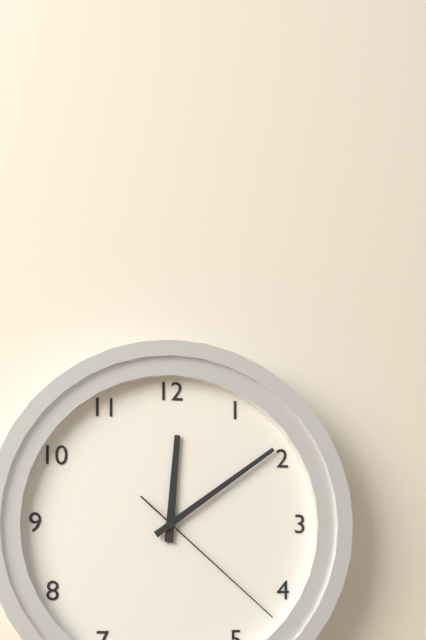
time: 12:09:22
